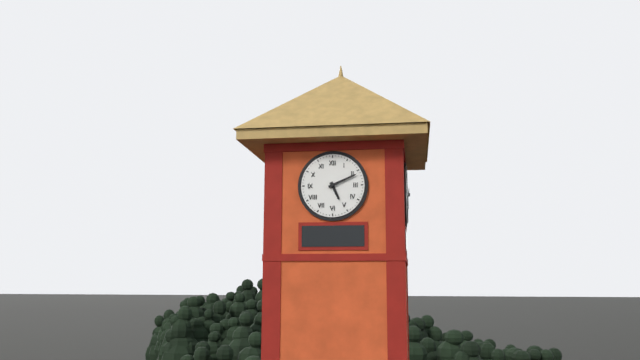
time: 5:11
